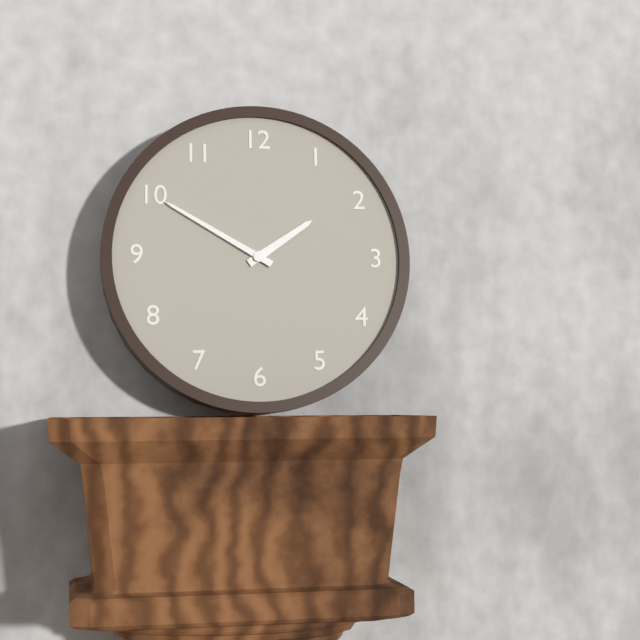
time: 1:50
